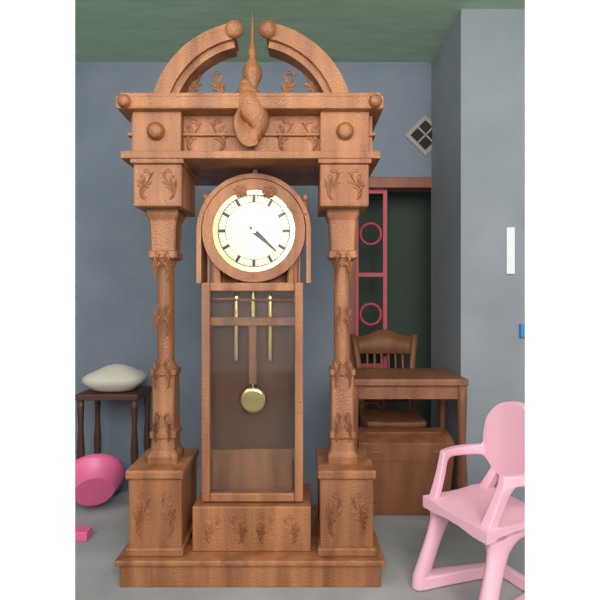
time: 4:22
